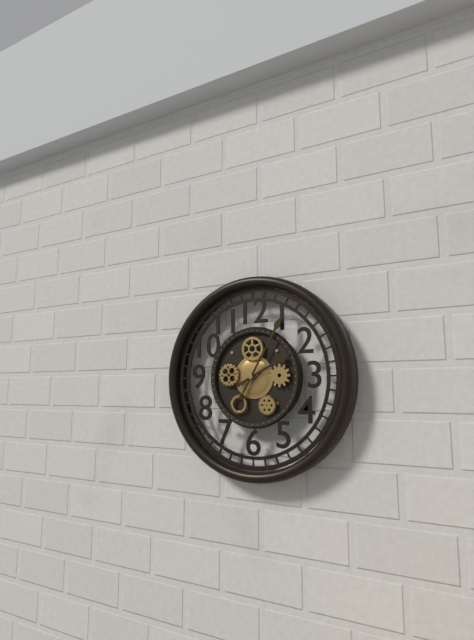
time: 2:05
